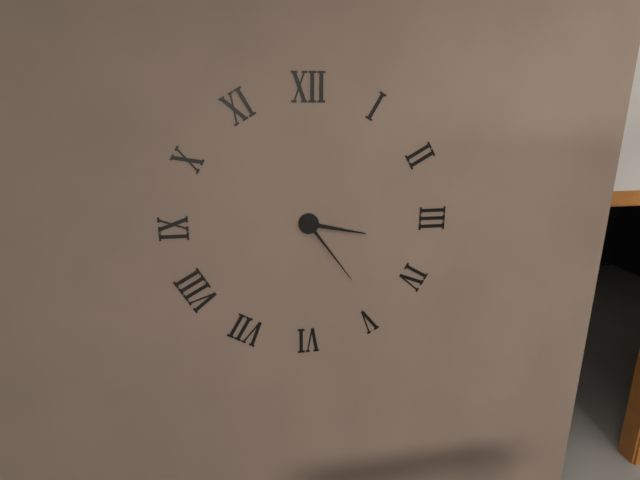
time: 3:24
